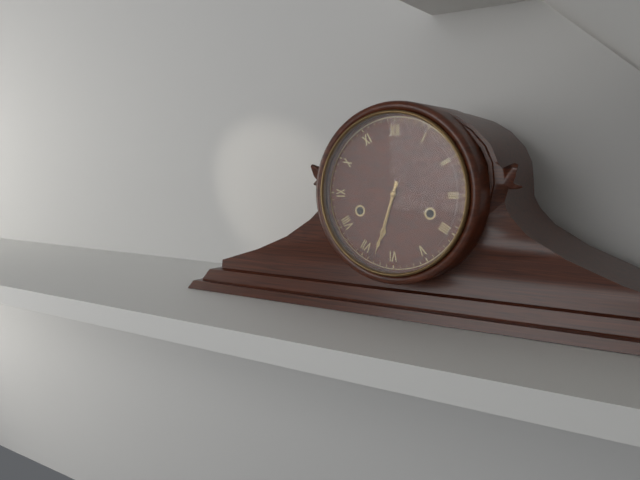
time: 6:33
